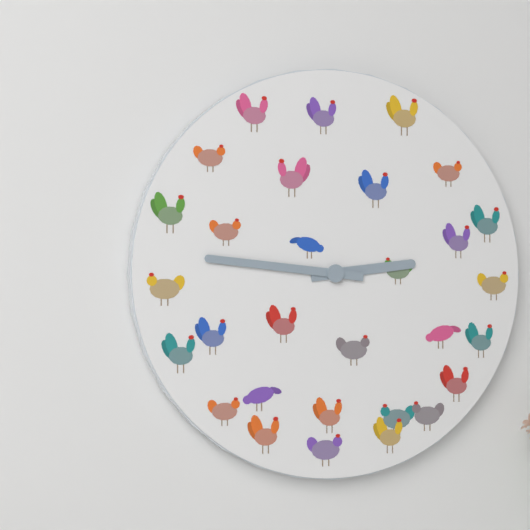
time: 2:46
